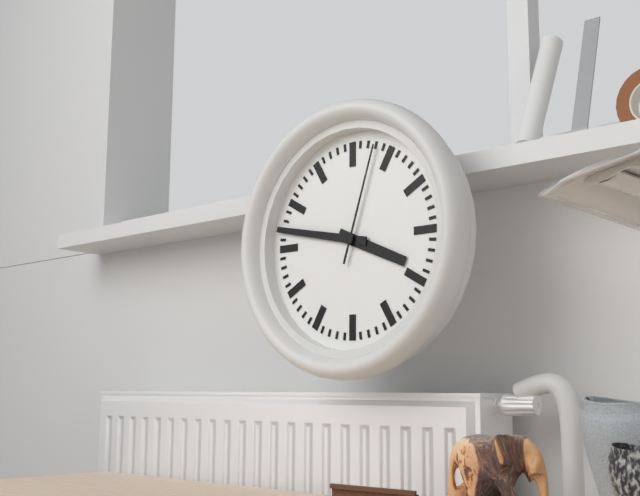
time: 3:47:03
